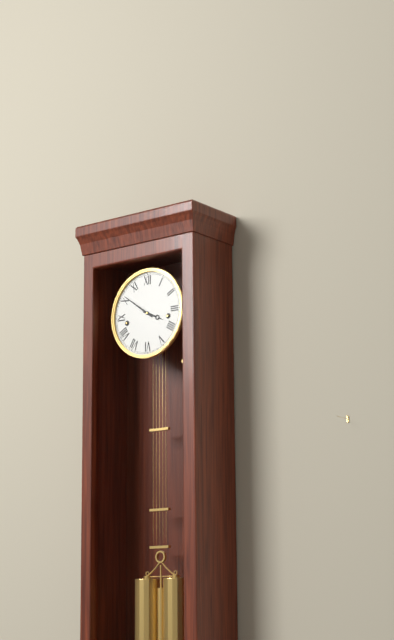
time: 3:51
